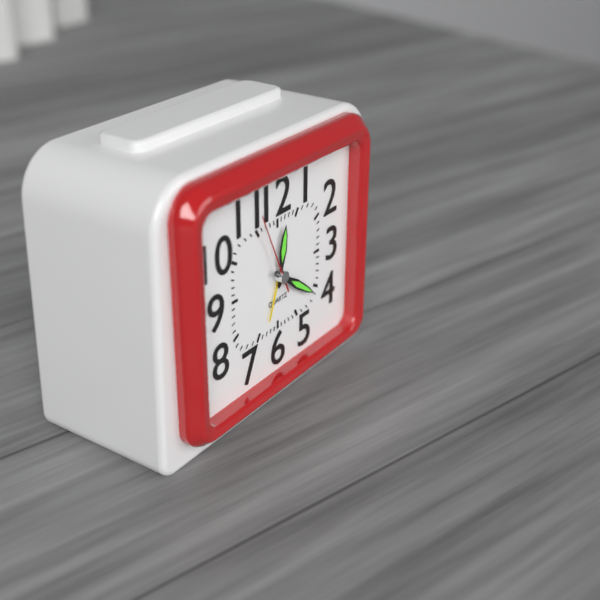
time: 12:21:56
